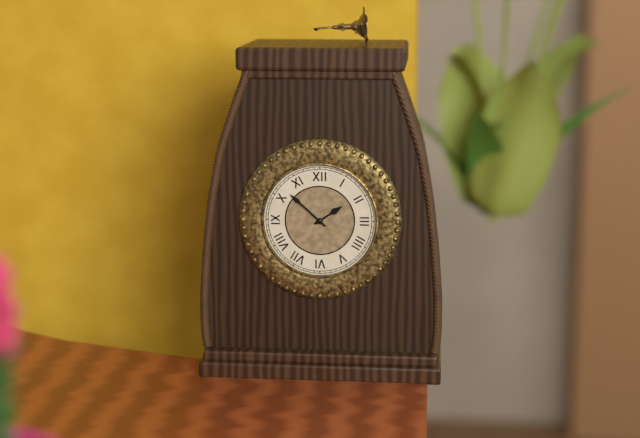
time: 1:52
